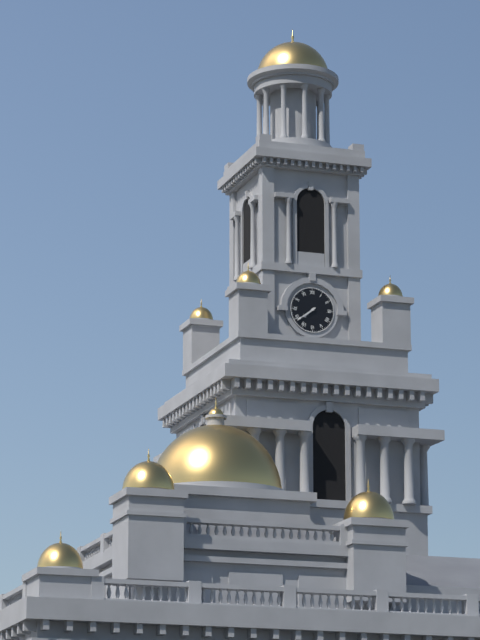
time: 7:39
